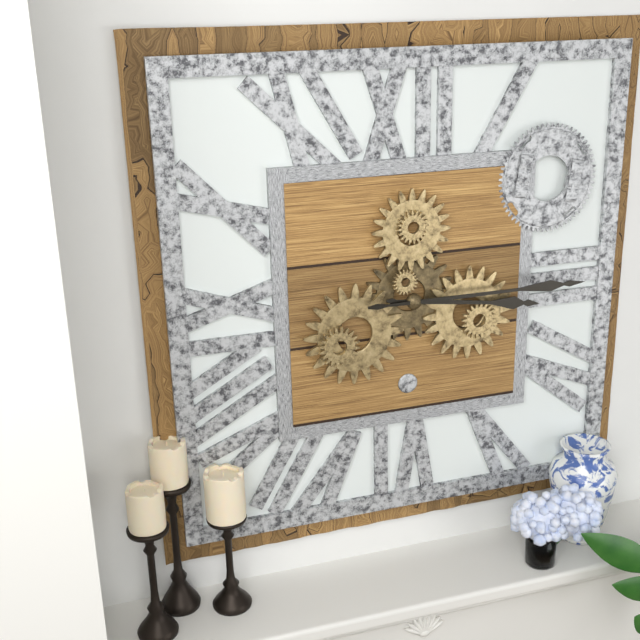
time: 3:15
